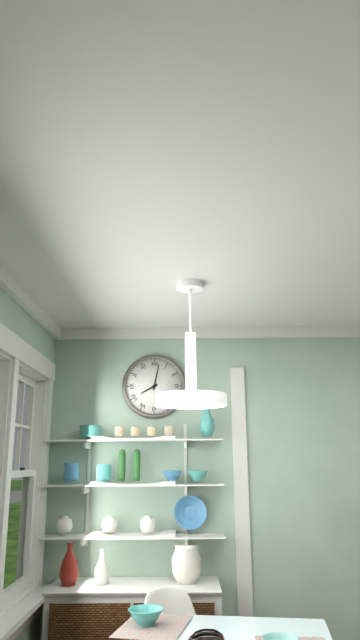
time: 8:02
